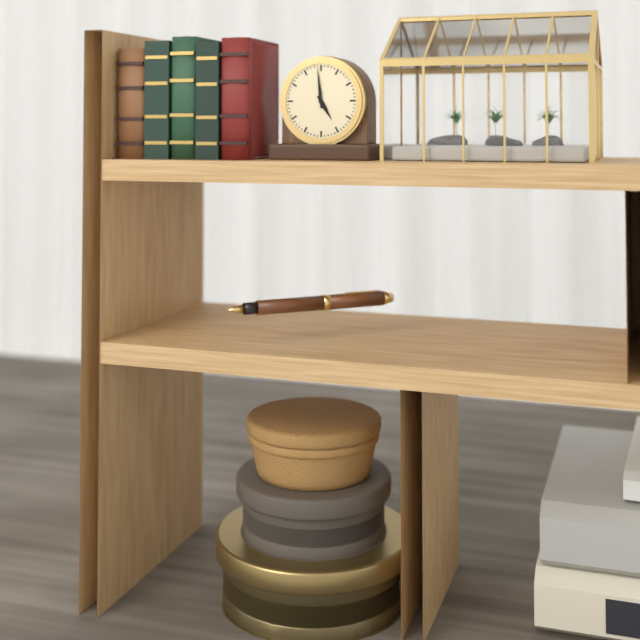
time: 4:59
